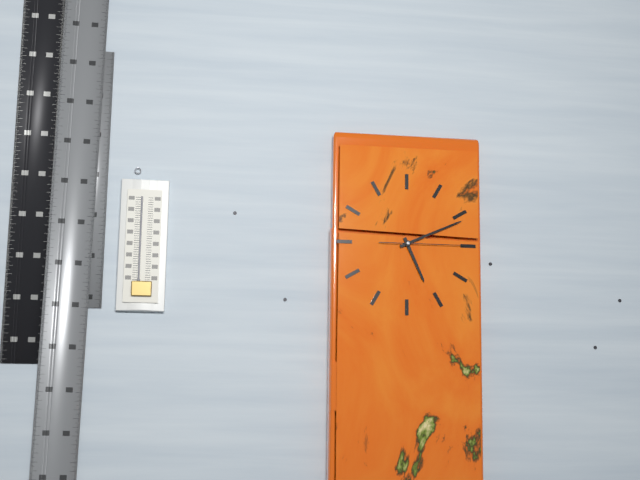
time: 5:11:15
